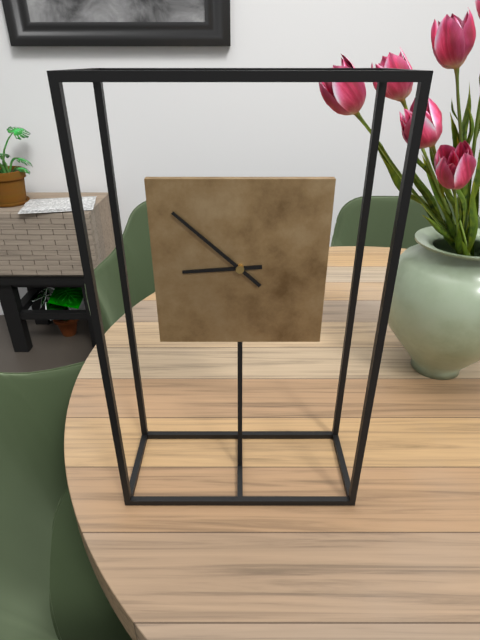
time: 8:52
